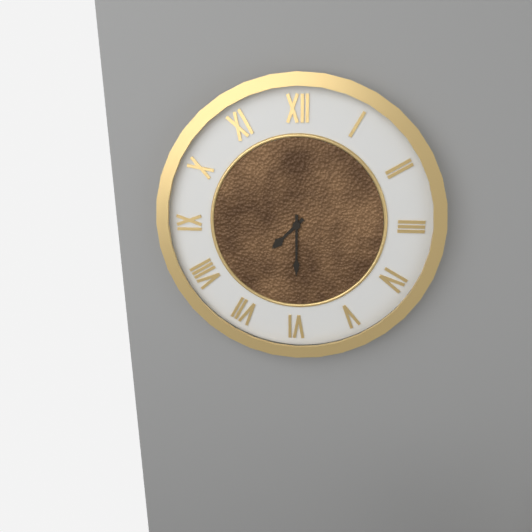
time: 7:30
